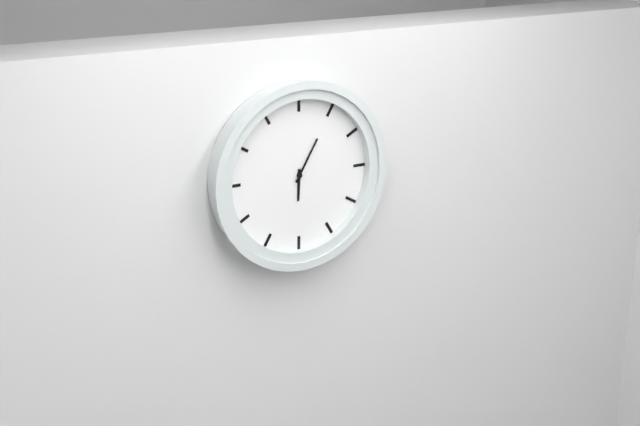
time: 6:05
